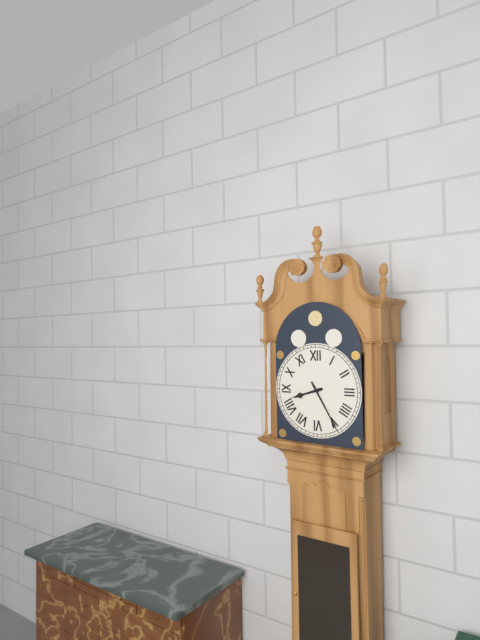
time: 8:25
